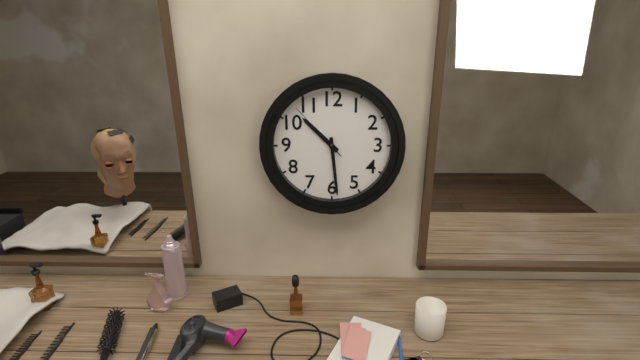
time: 10:29:53
